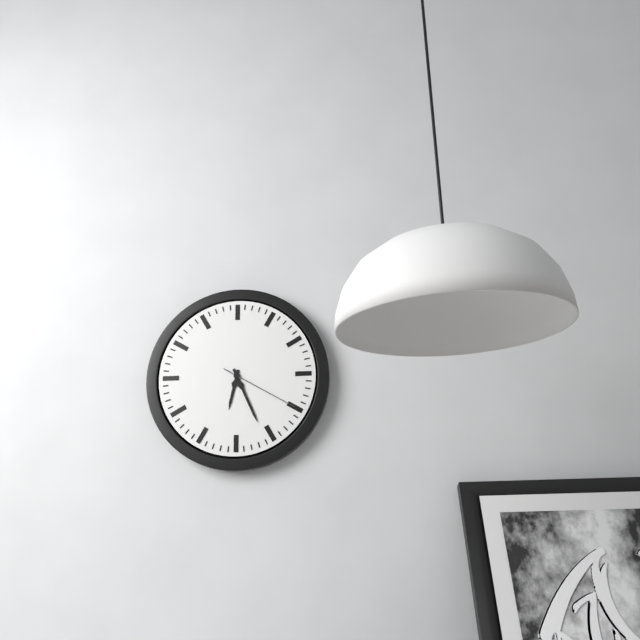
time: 6:26:20
